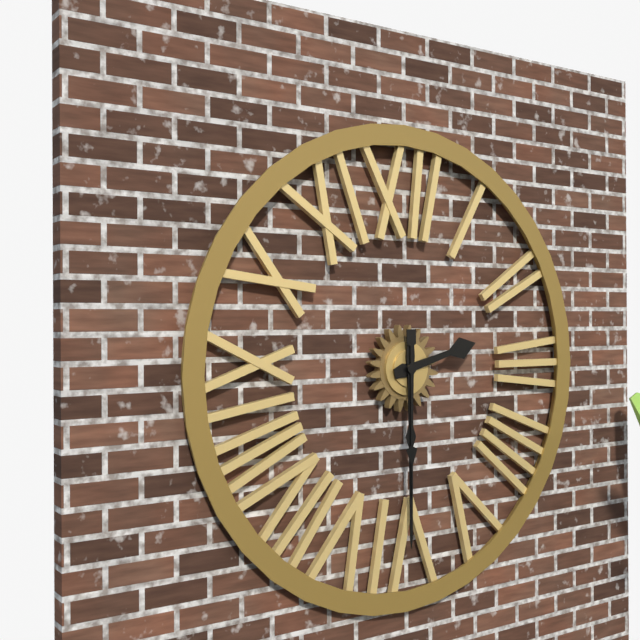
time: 2:30:30
